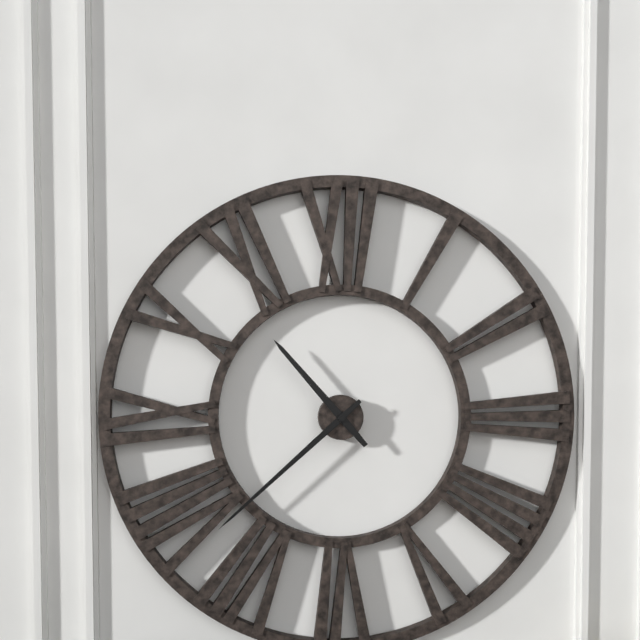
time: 10:38
